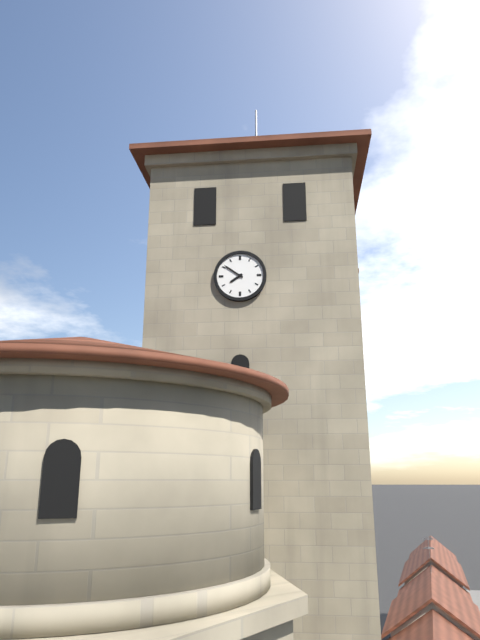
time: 7:51
